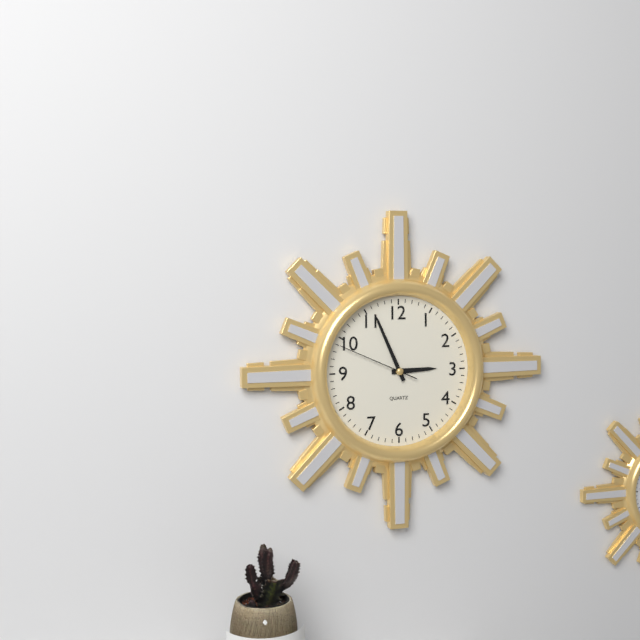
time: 2:56:49
